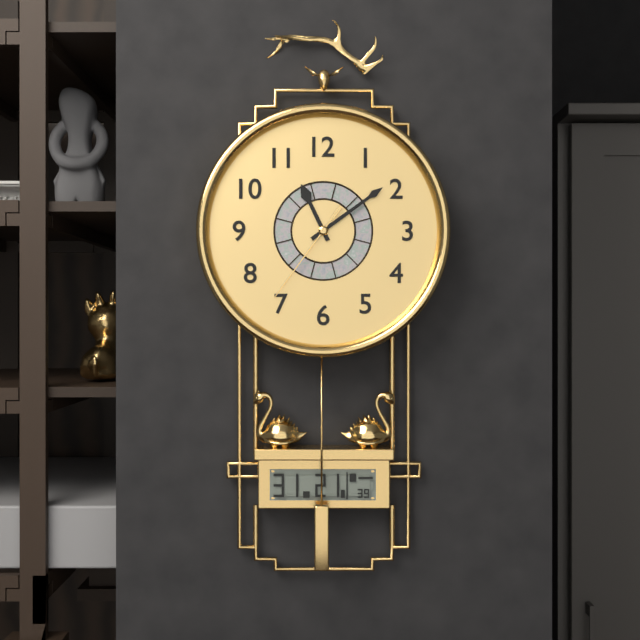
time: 11:09:36
